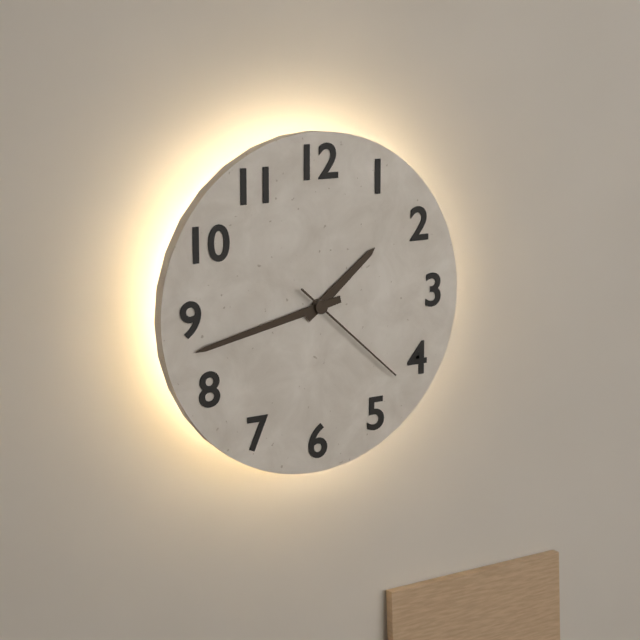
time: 1:43:22
